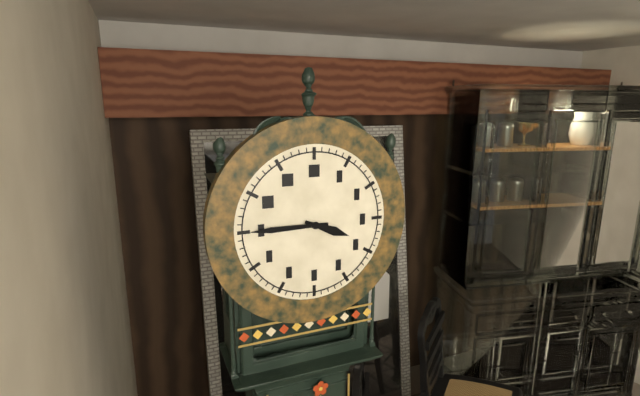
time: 3:45
